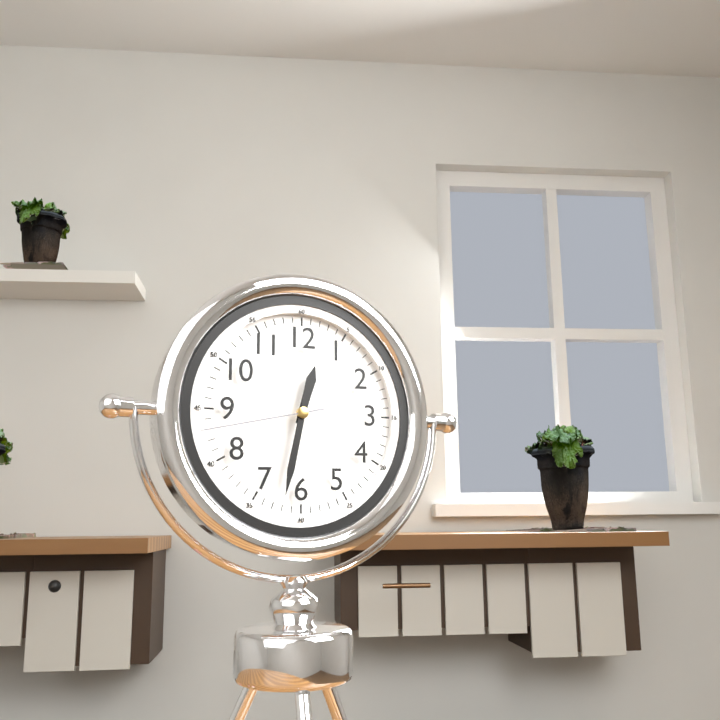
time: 12:32:43
